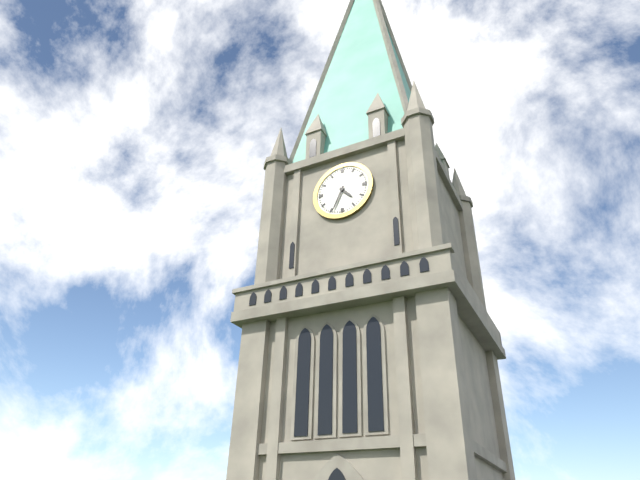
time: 4:34
